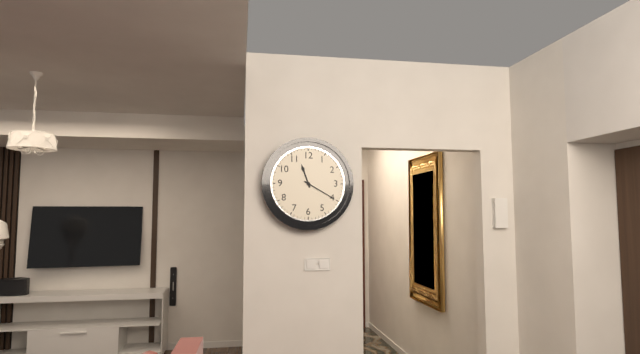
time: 11:20
